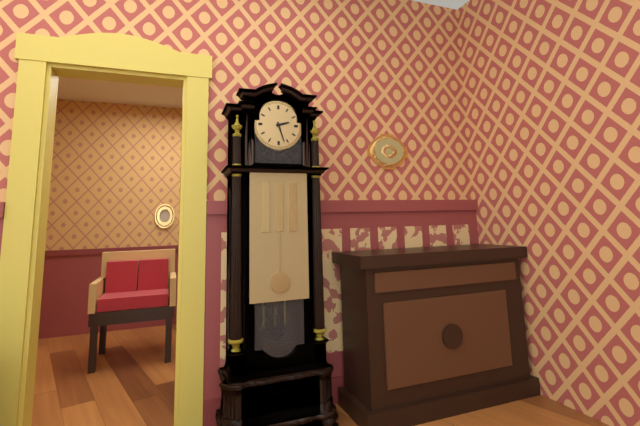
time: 2:27
